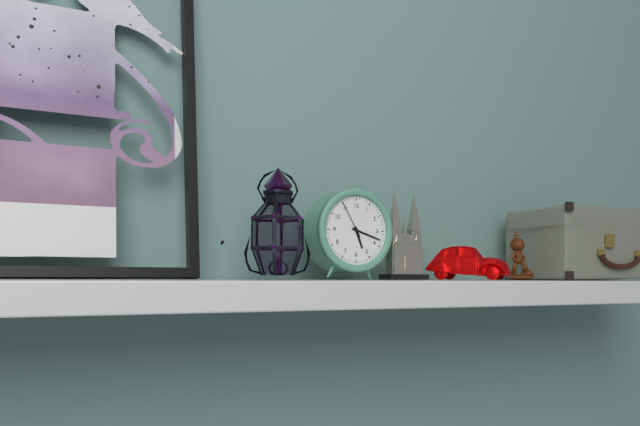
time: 5:18
